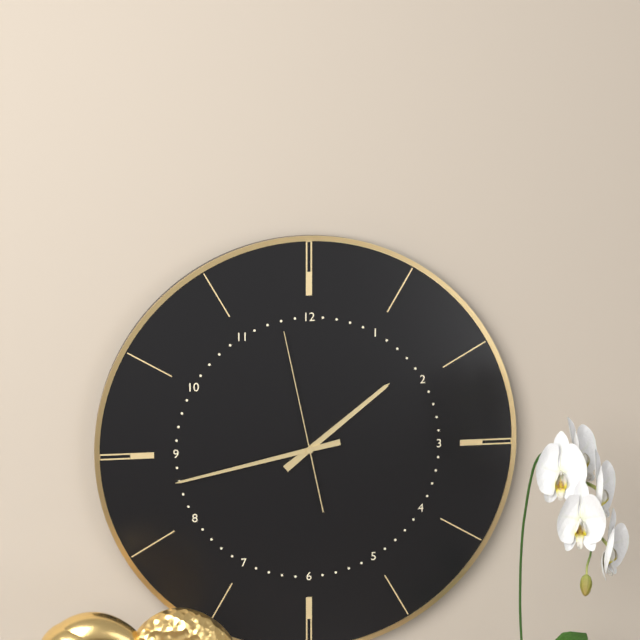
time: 1:43:58
